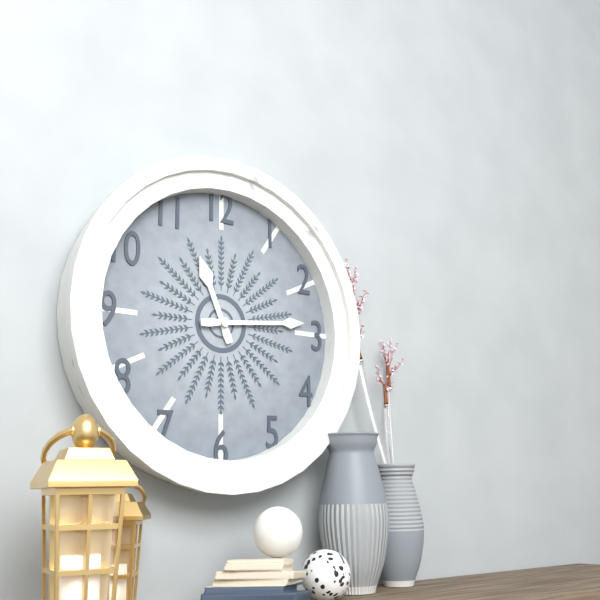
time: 11:14
